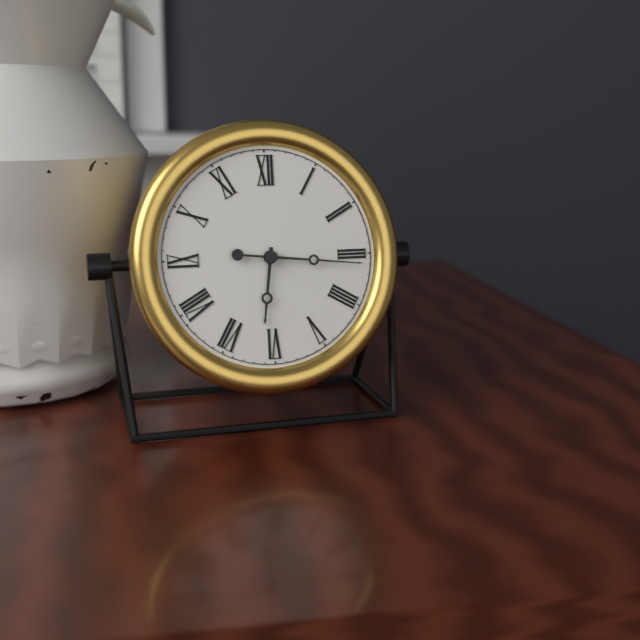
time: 6:16
